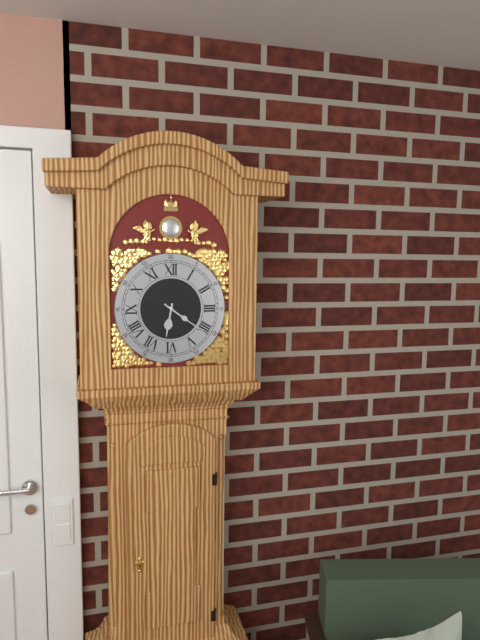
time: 6:21
